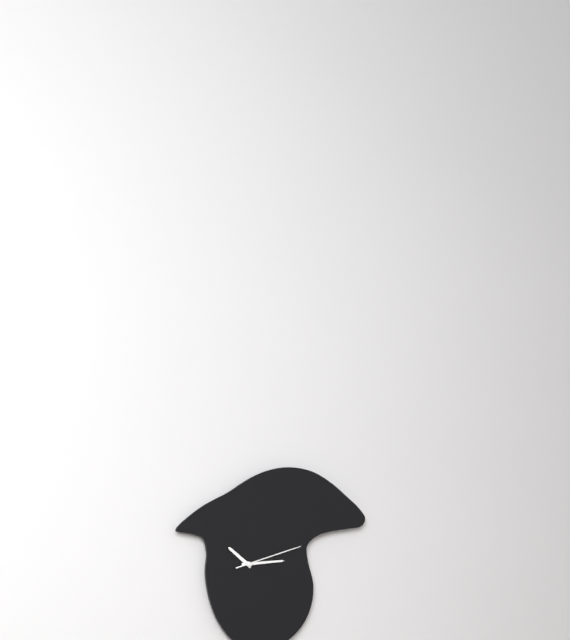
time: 10:14:12
